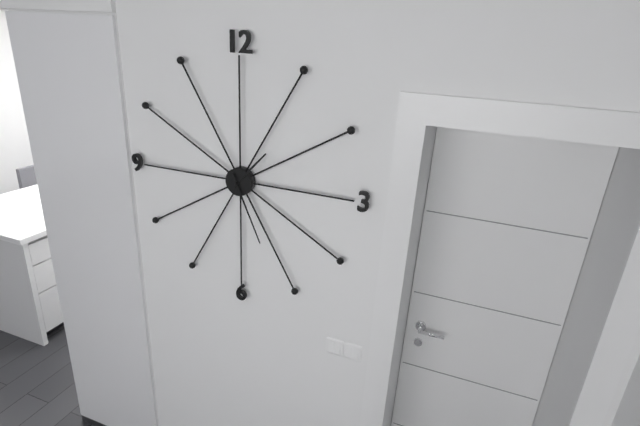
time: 1:26
